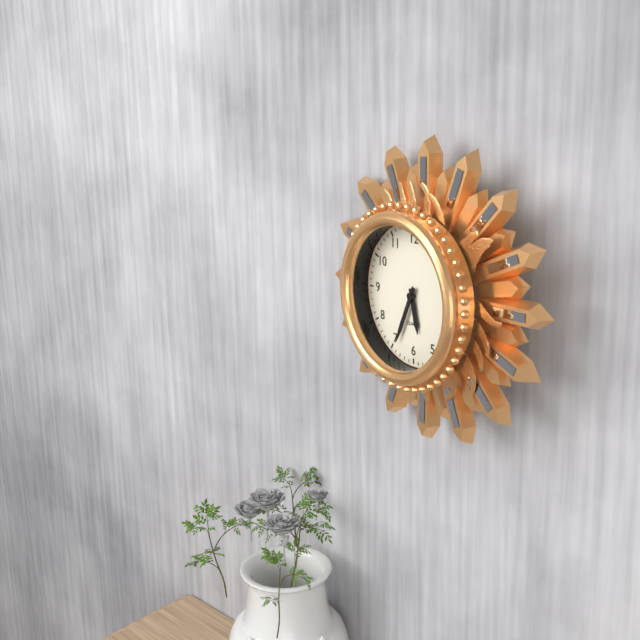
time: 5:34
